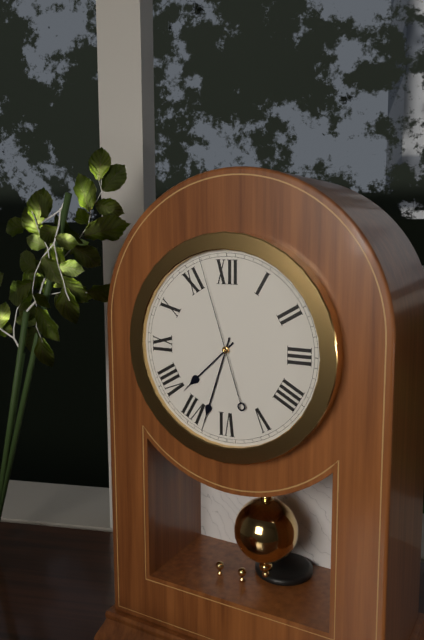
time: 7:33:57
